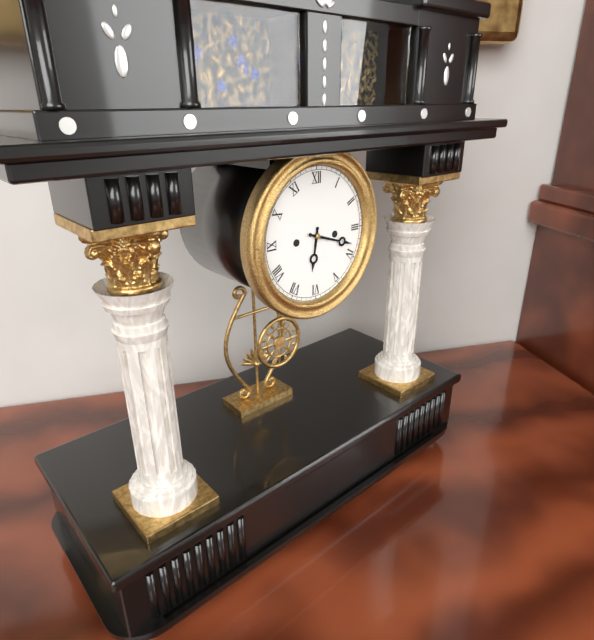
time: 6:18
